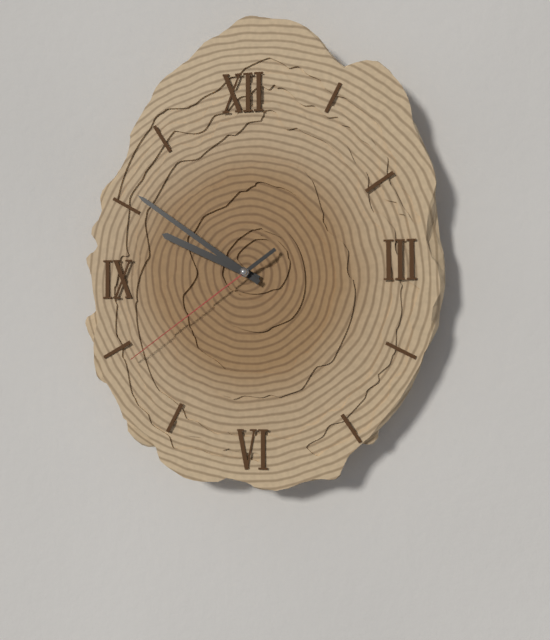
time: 9:51:39
